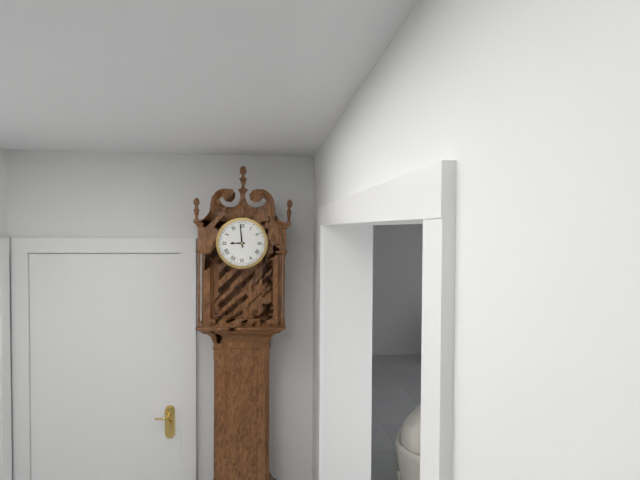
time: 8:59
